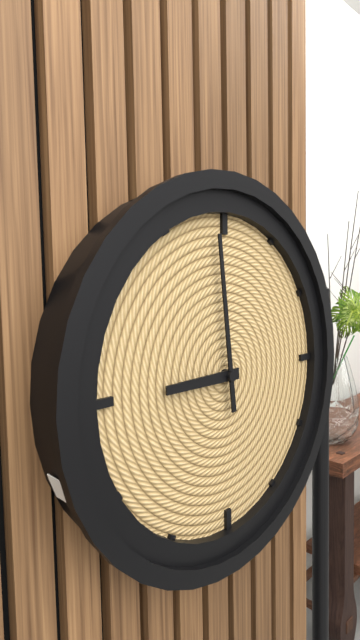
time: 8:59
